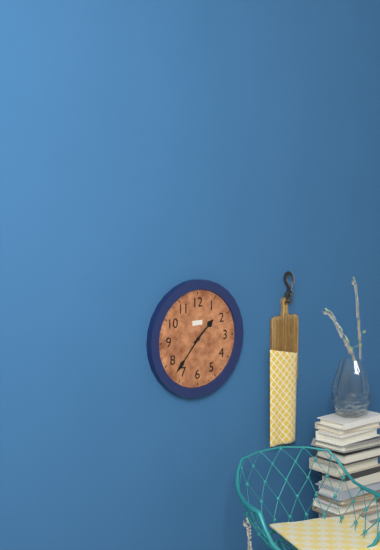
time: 1:37
